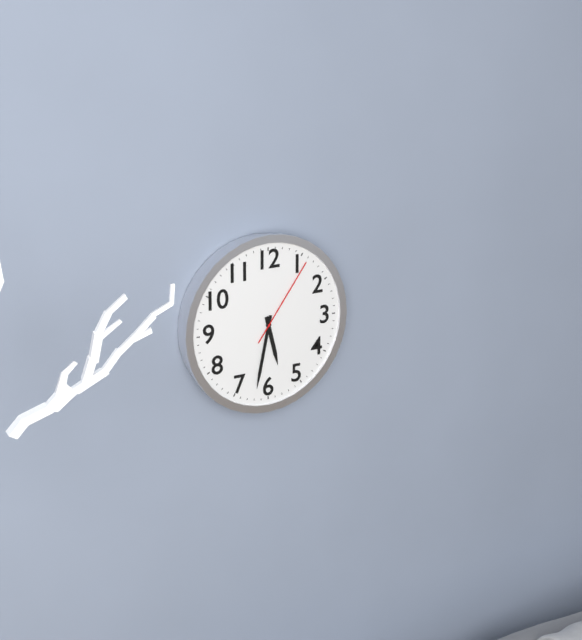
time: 5:32:06
